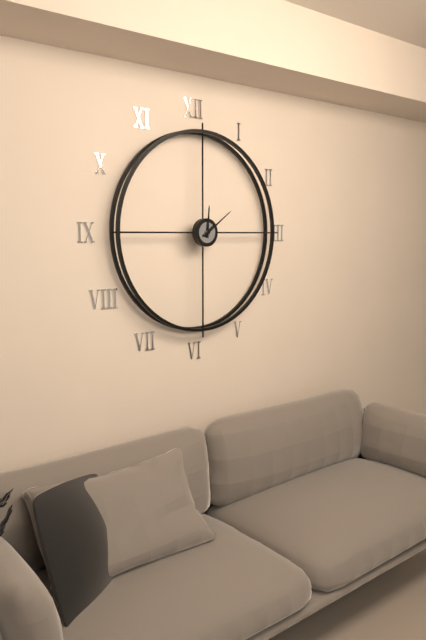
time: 12:09
